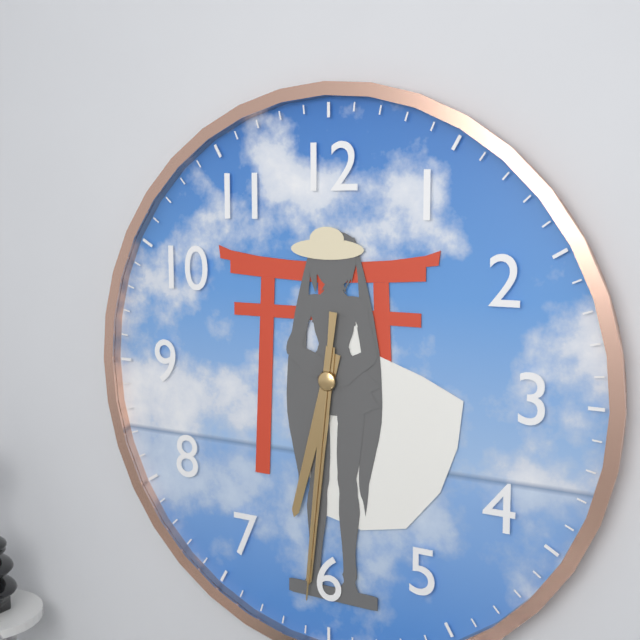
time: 6:31:31
